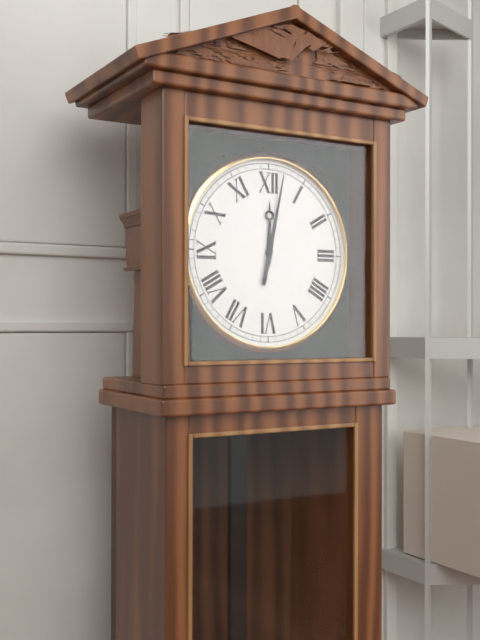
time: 12:02
